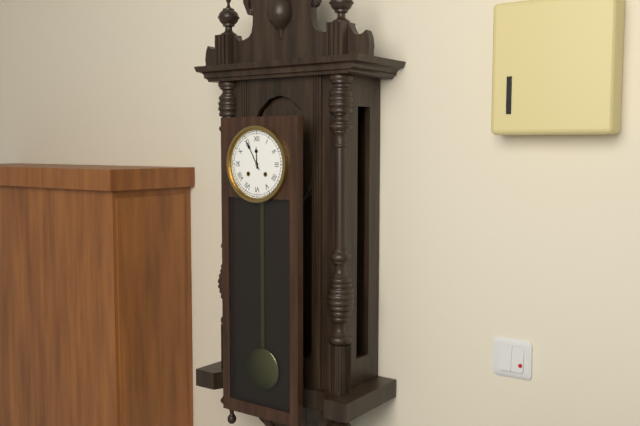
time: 11:55
